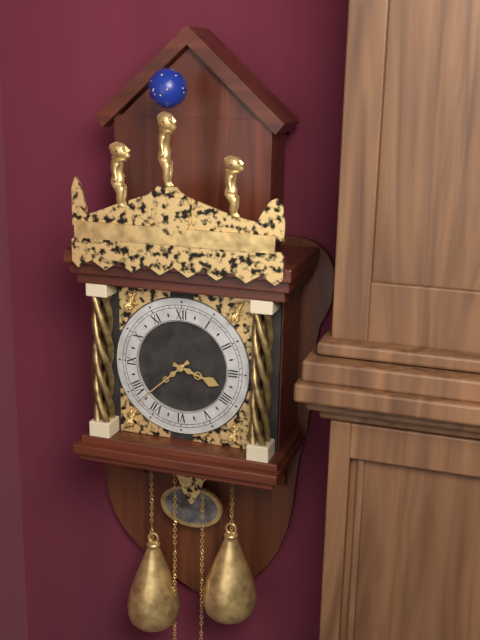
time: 3:38
